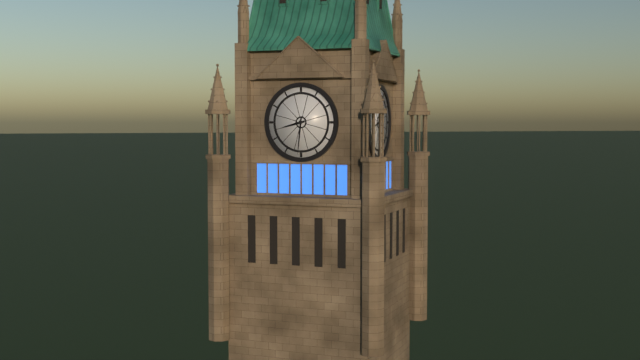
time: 8:31
